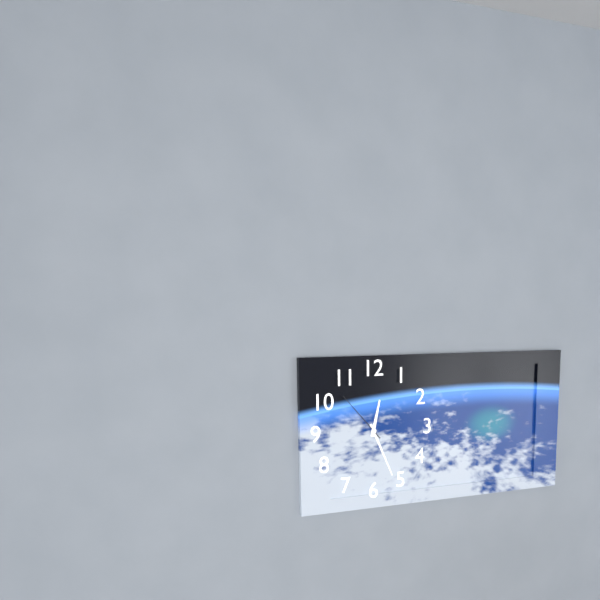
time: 12:26:53
